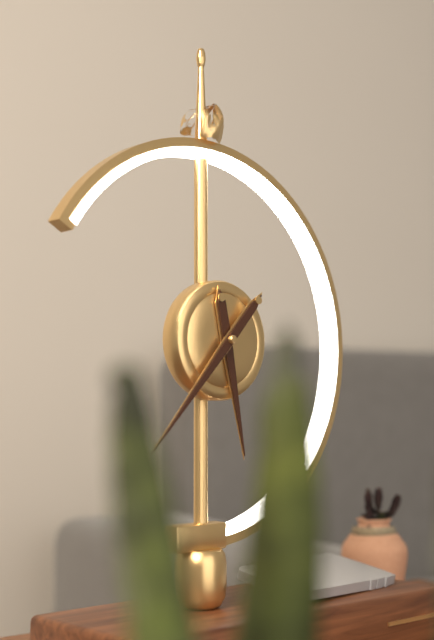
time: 5:37
